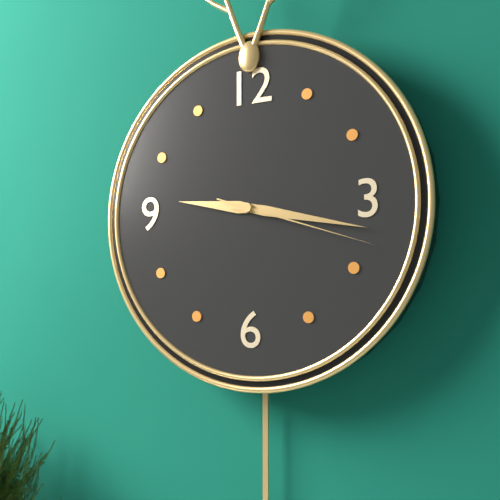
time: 9:17:18
